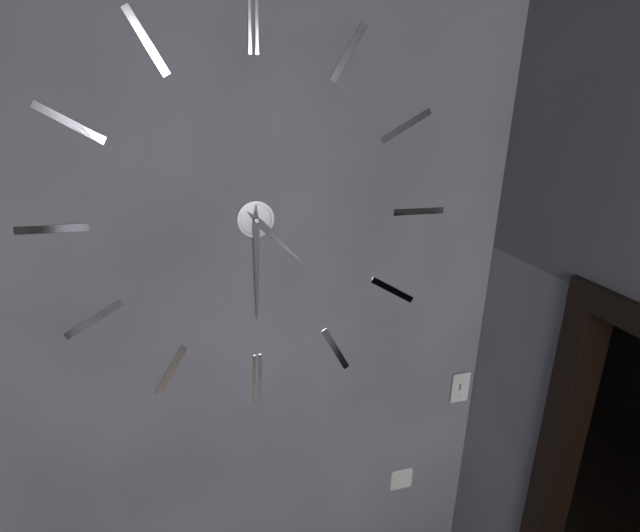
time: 4:30
